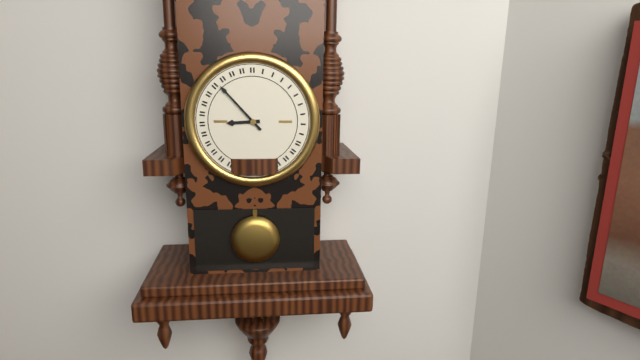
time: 8:53
